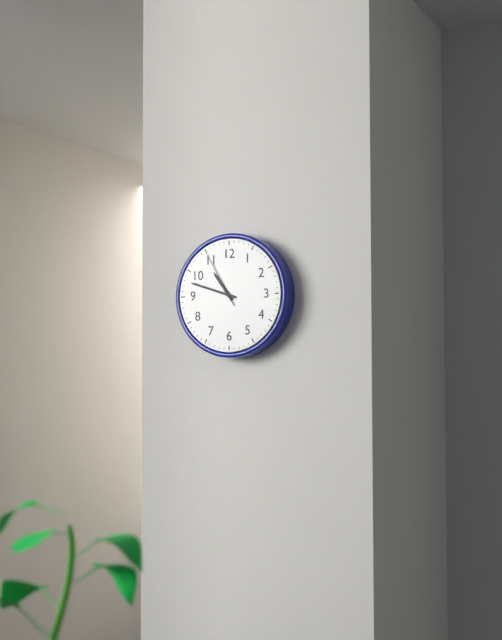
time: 10:48:55
